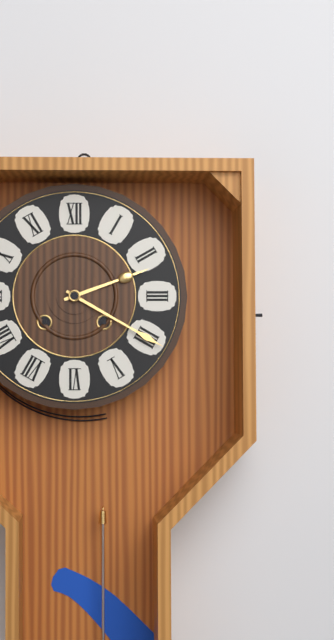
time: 2:20
